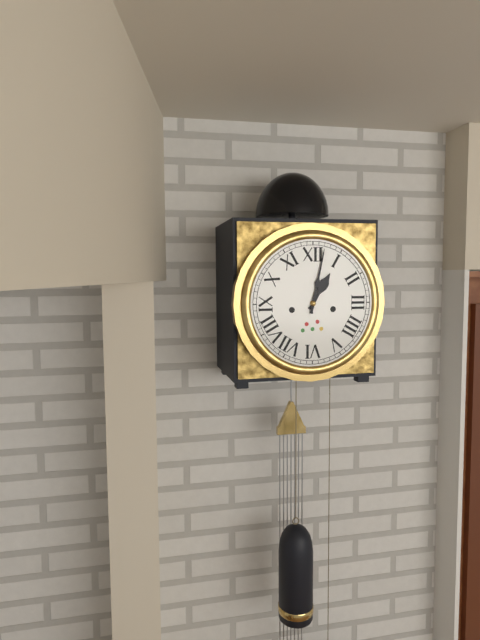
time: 1:02
